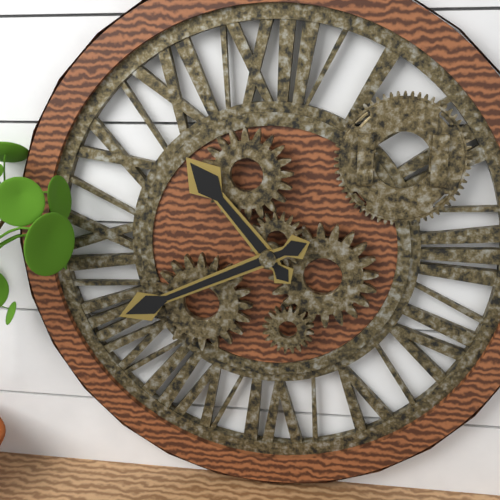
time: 10:41
